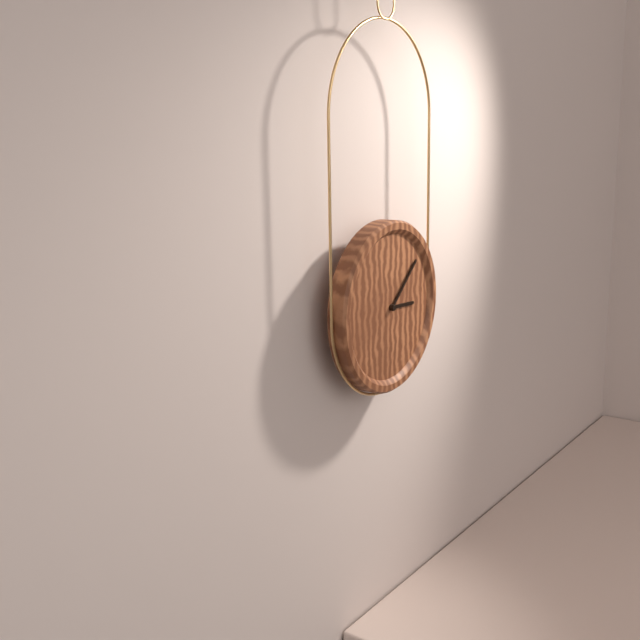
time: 3:08
